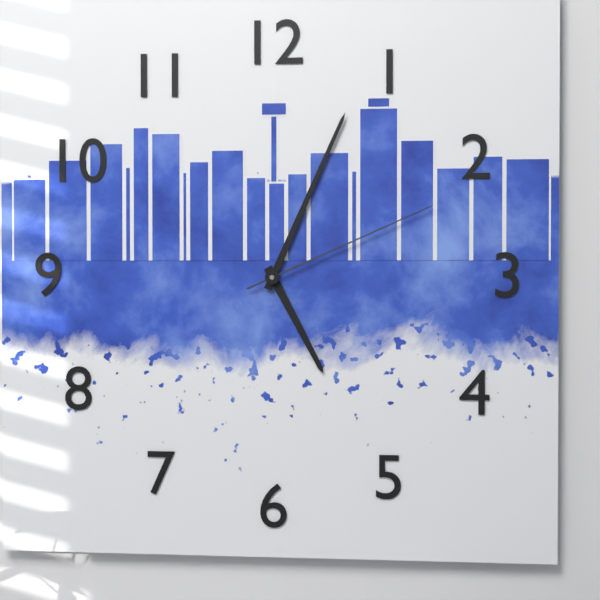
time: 5:04:11
